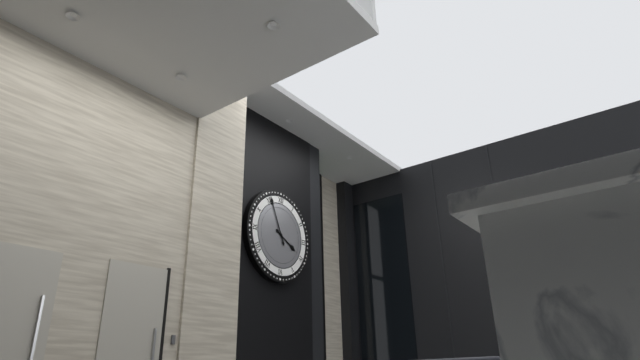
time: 3:56
